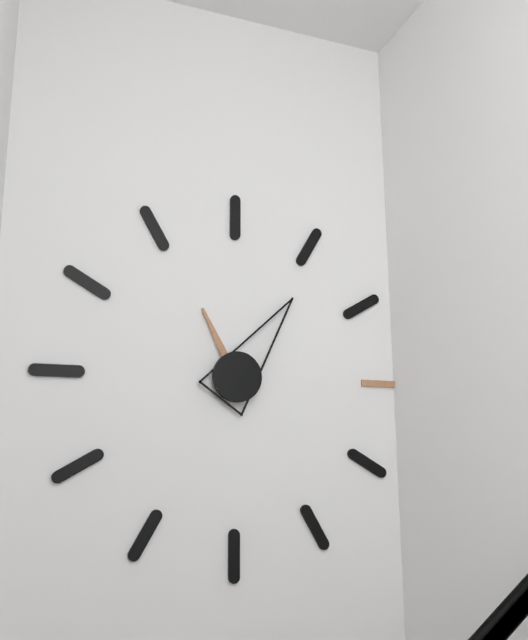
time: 11:06
